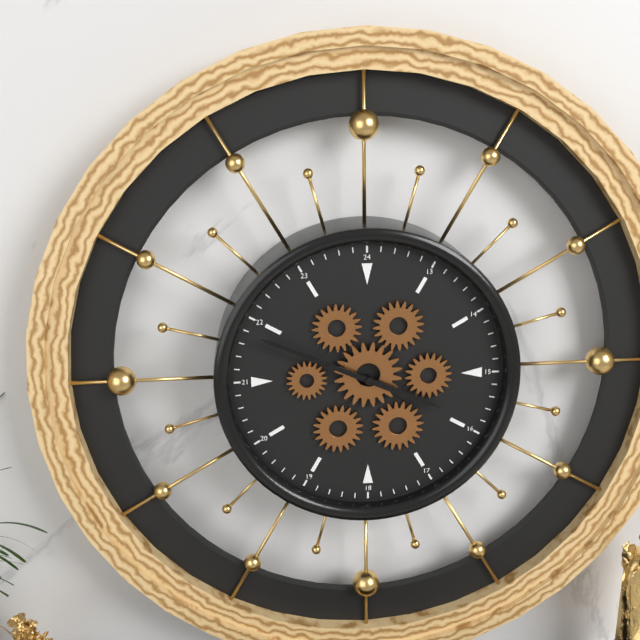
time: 3:49
